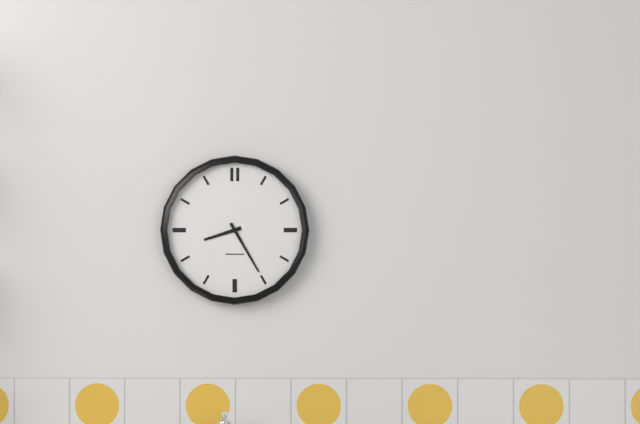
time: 8:25
